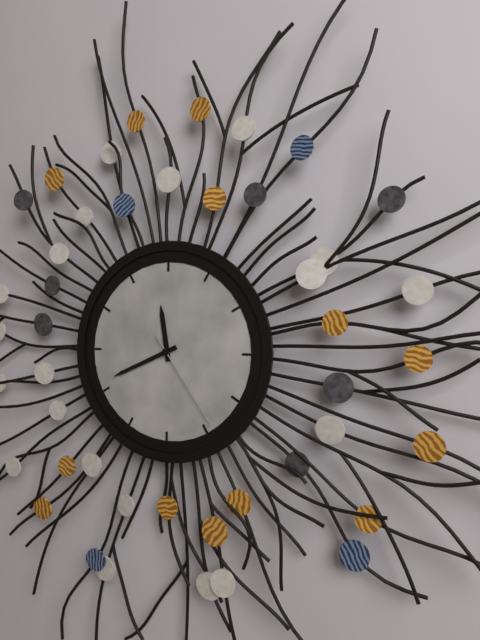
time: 11:41:24
